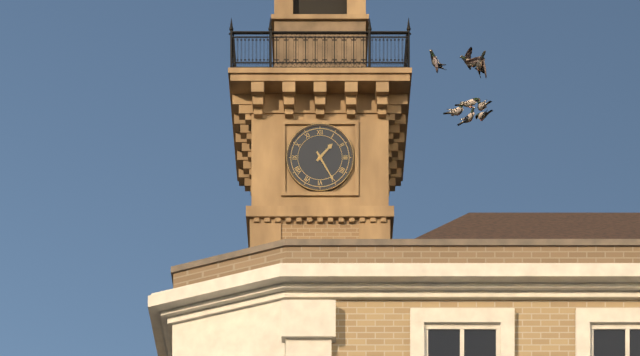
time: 1:25
